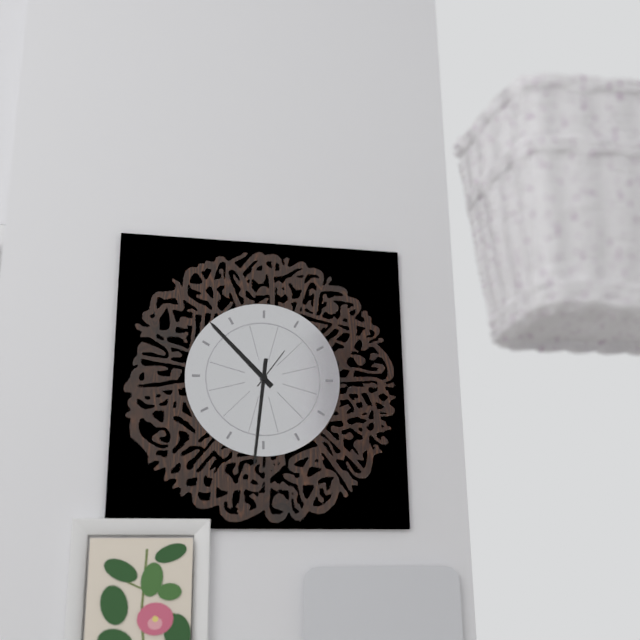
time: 10:31
